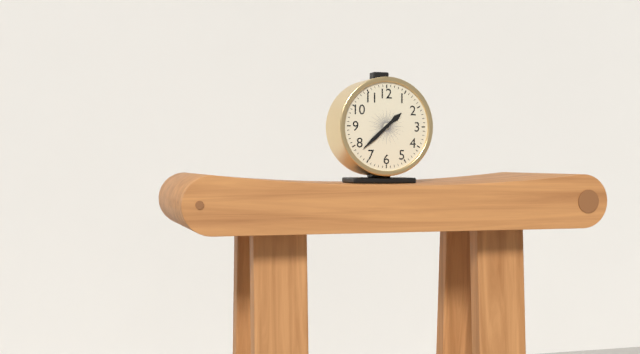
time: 1:38
